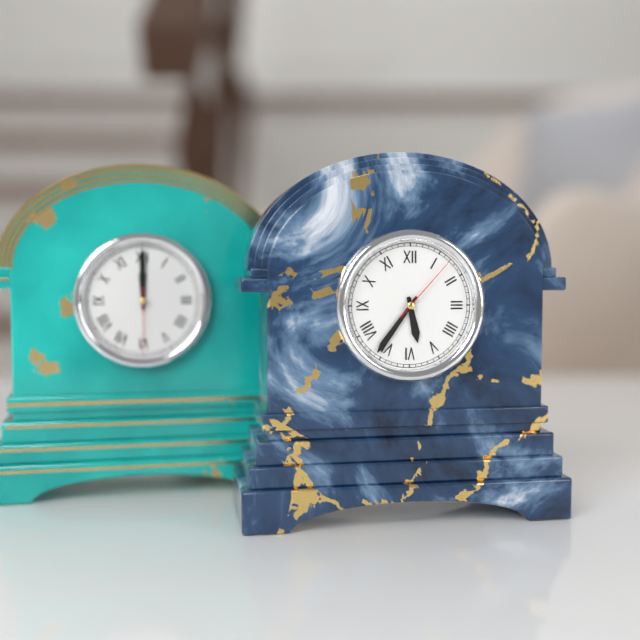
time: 5:36:07
